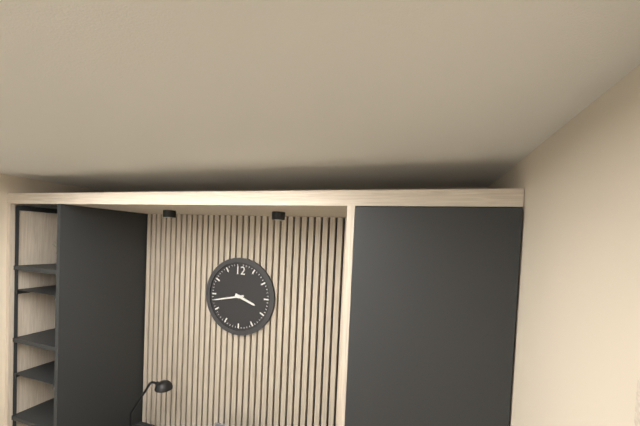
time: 3:43
